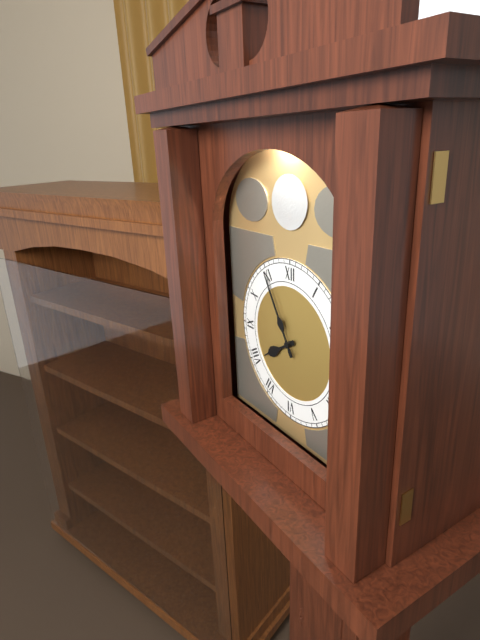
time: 7:55
